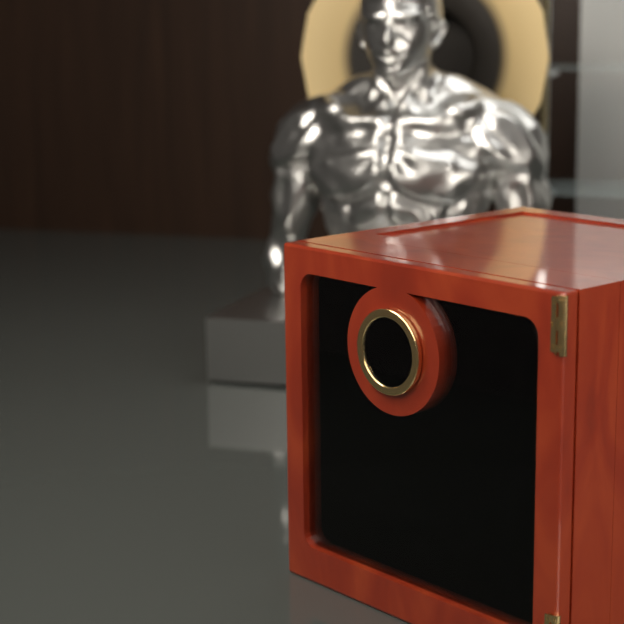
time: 11:21
